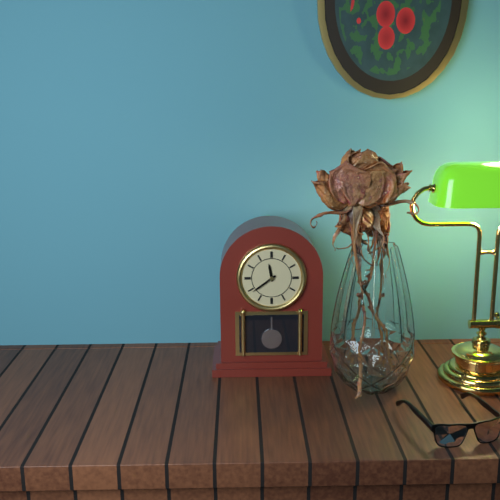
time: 11:39
